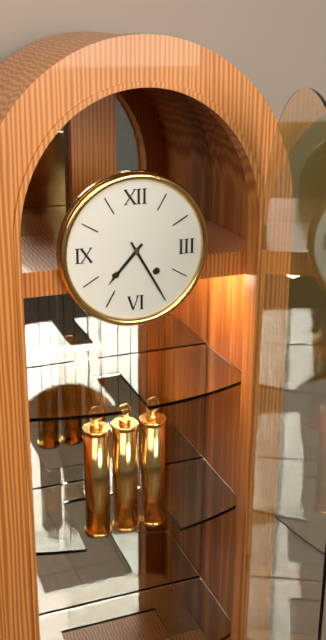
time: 7:25
